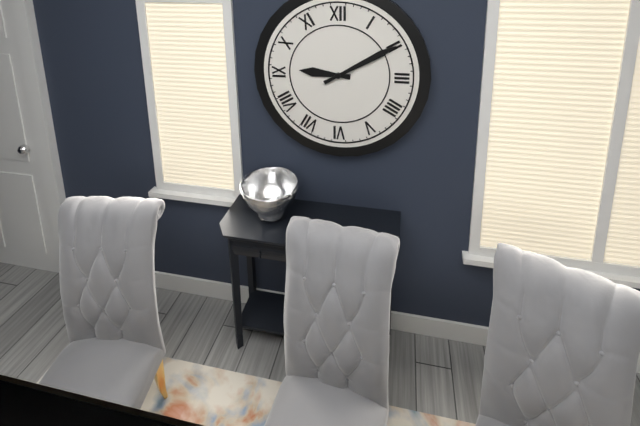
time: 9:10
